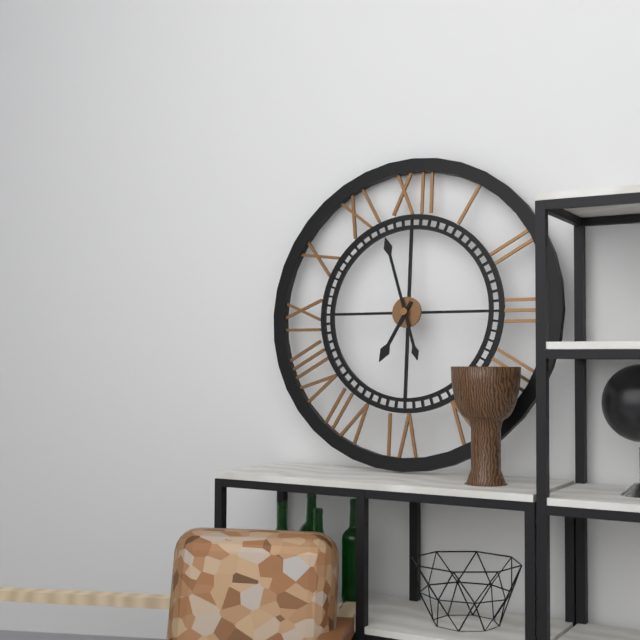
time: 6:57
